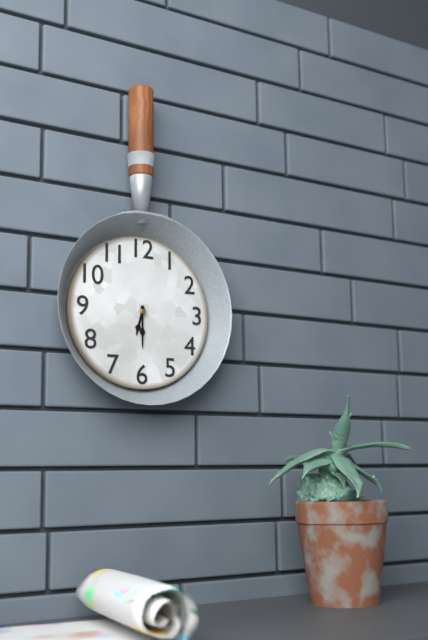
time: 6:30
